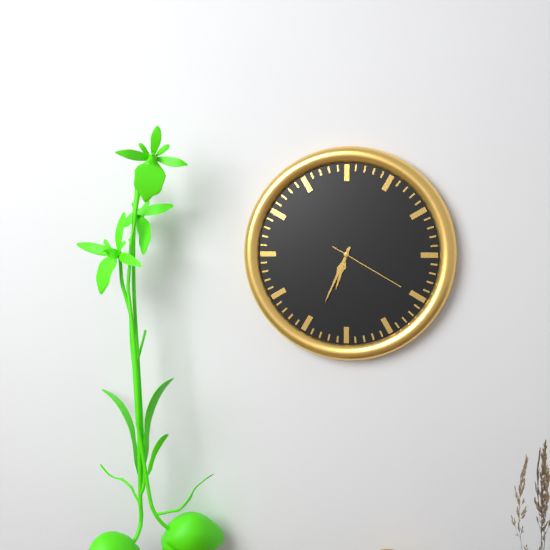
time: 6:34:20
